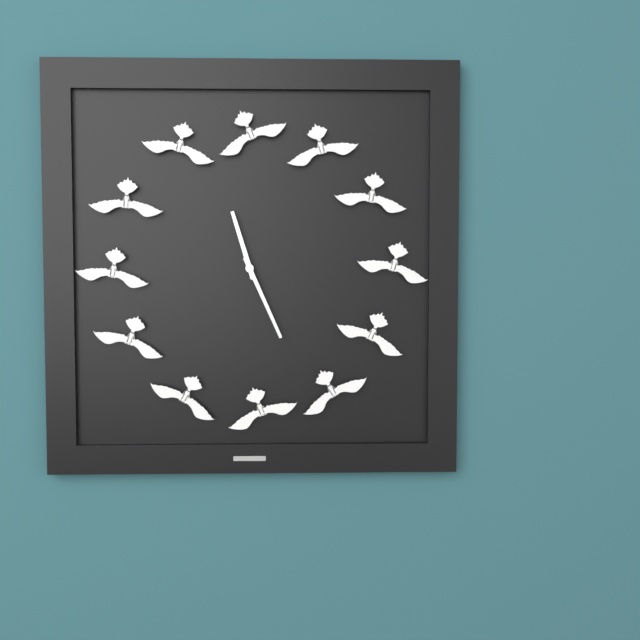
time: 11:26
